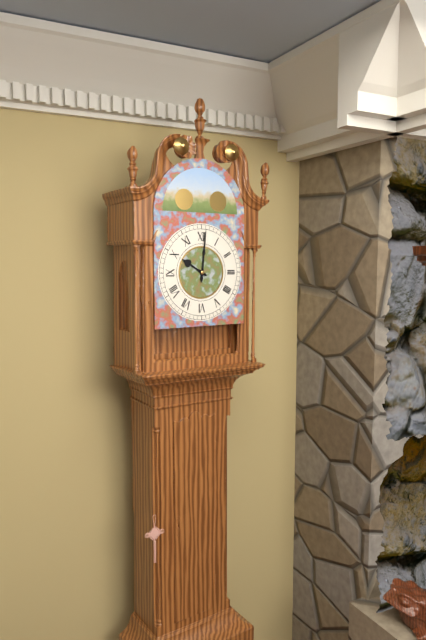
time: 10:01
